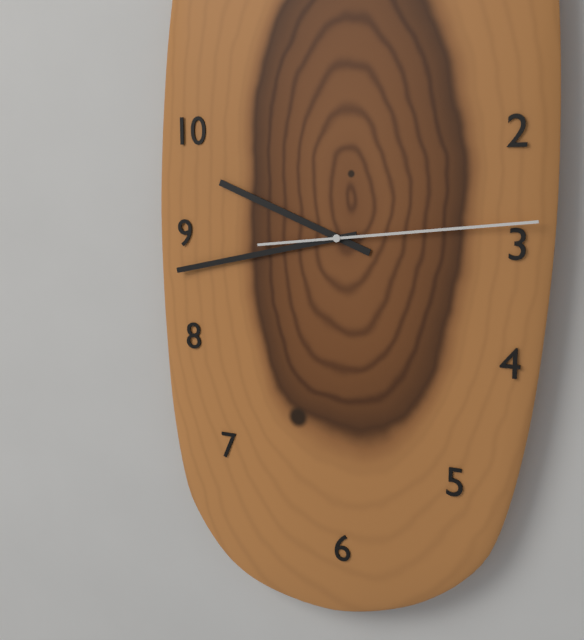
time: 9:43:14
